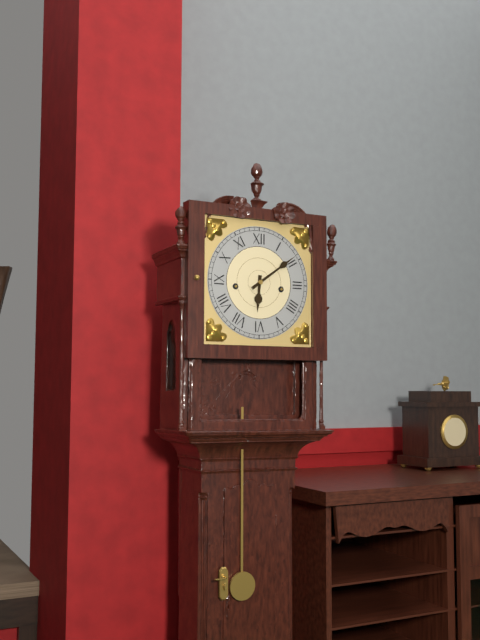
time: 6:09
